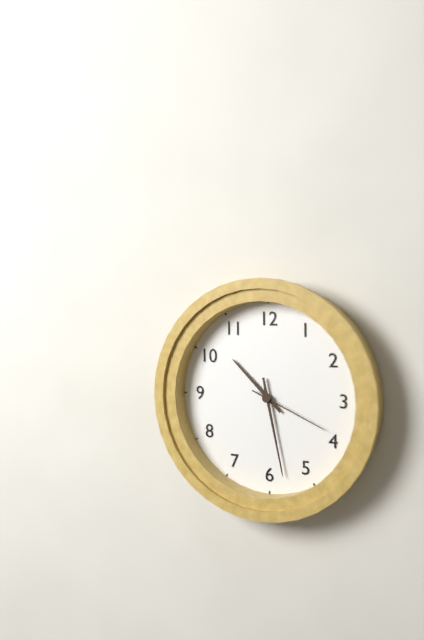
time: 10:28:19
